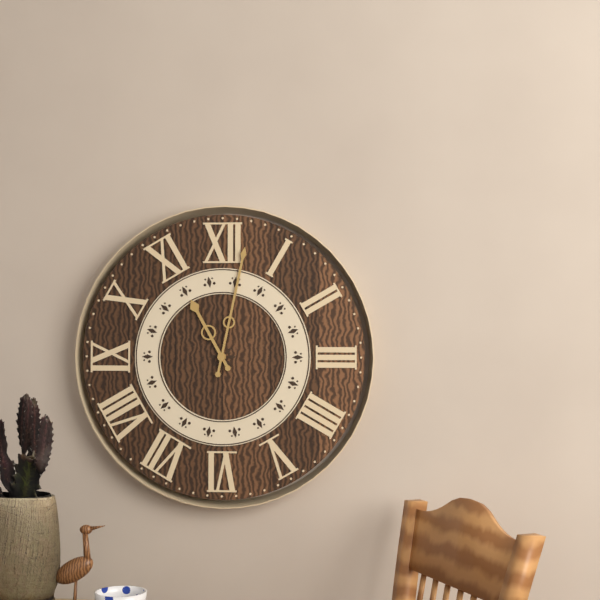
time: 11:02
